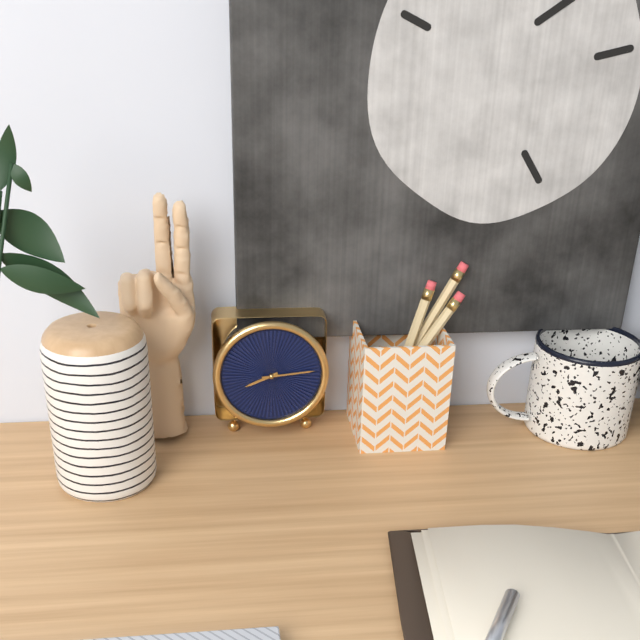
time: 8:14
